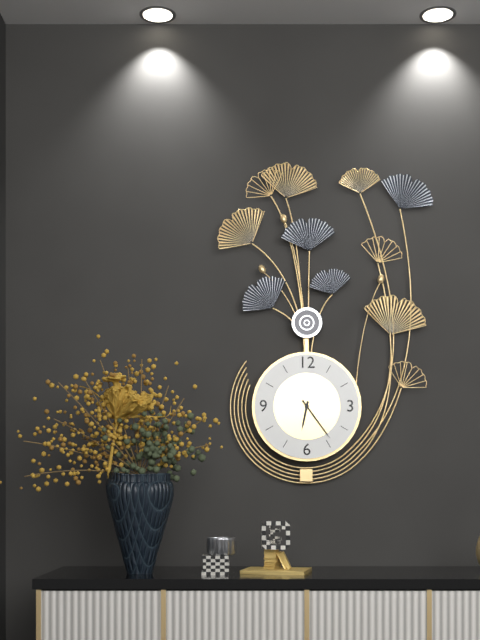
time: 6:24
